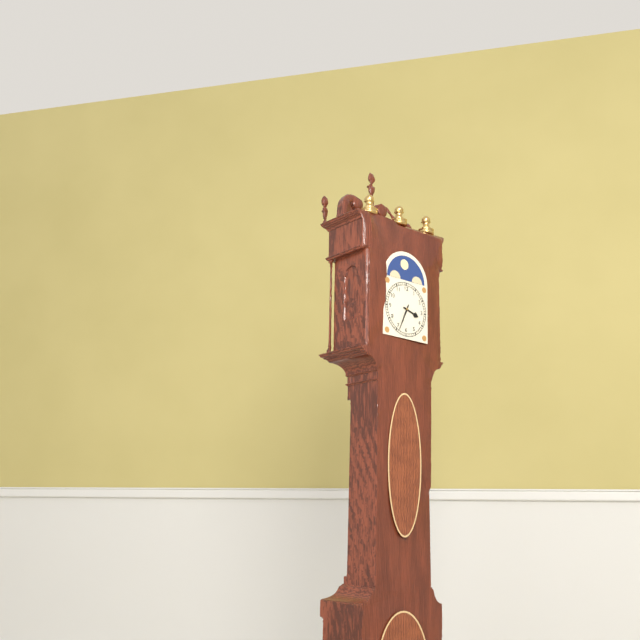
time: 3:34
